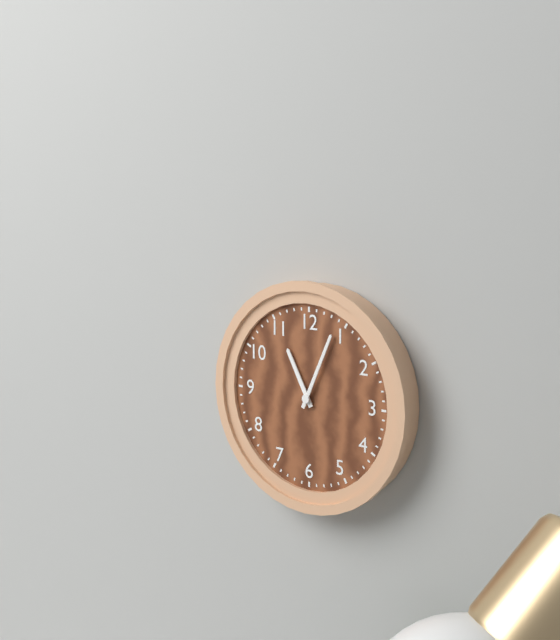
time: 11:04
